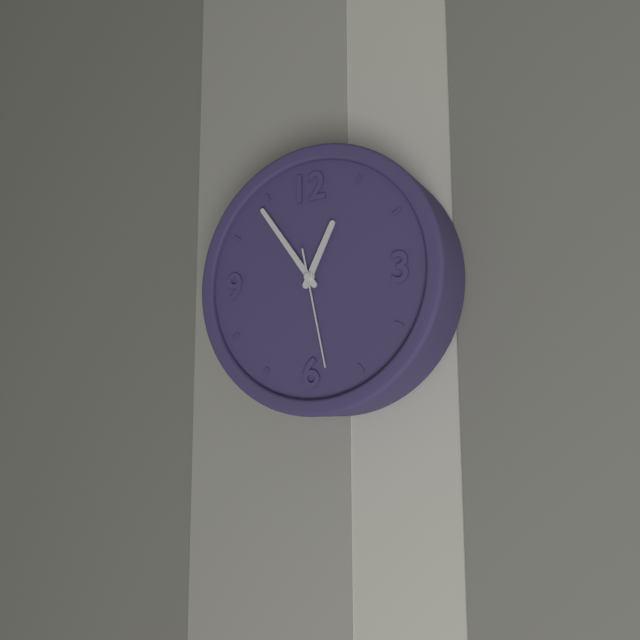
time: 12:54:28
